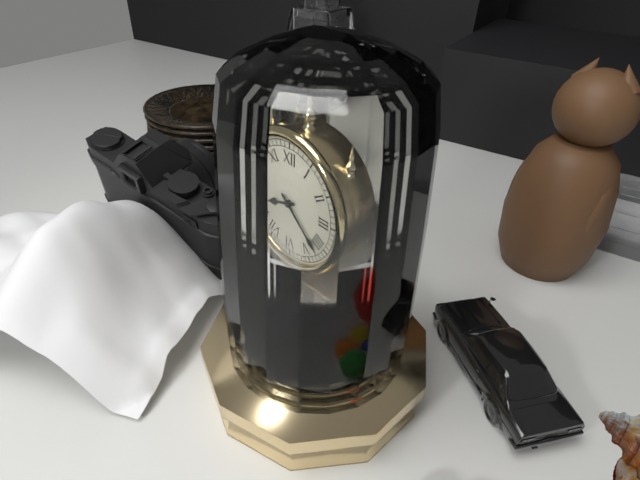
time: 8:22
